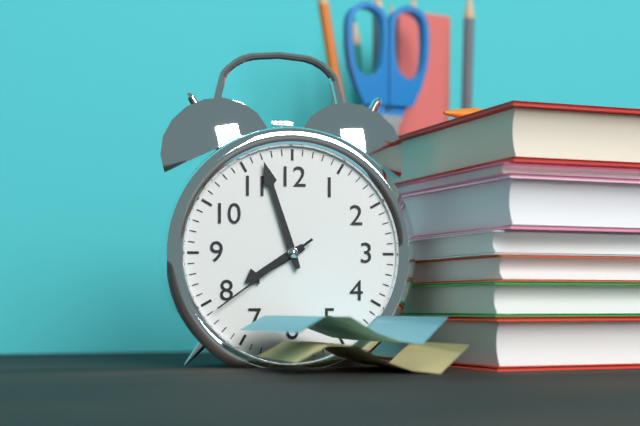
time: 7:57:39
